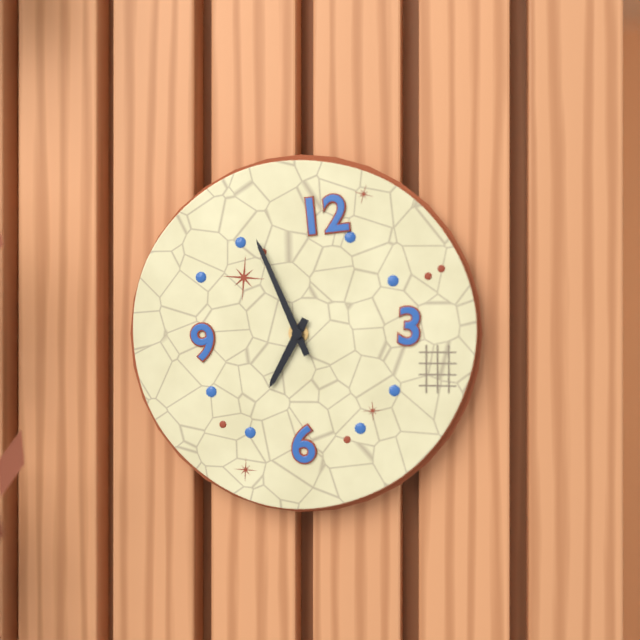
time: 6:56
